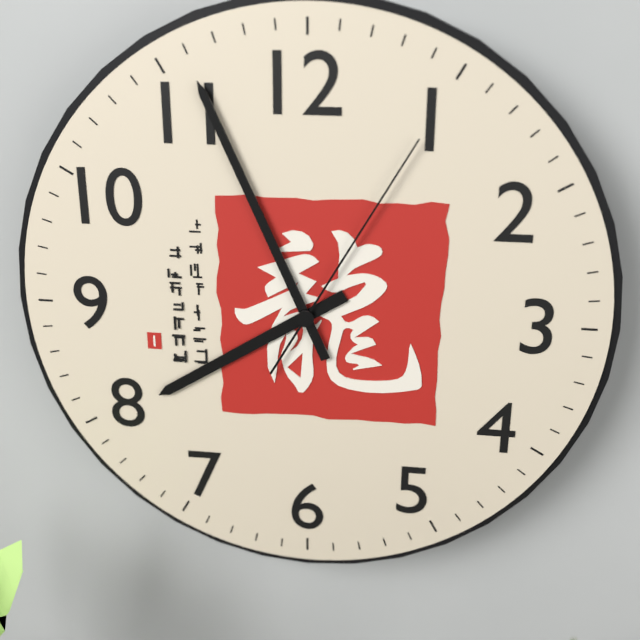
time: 7:56:05
